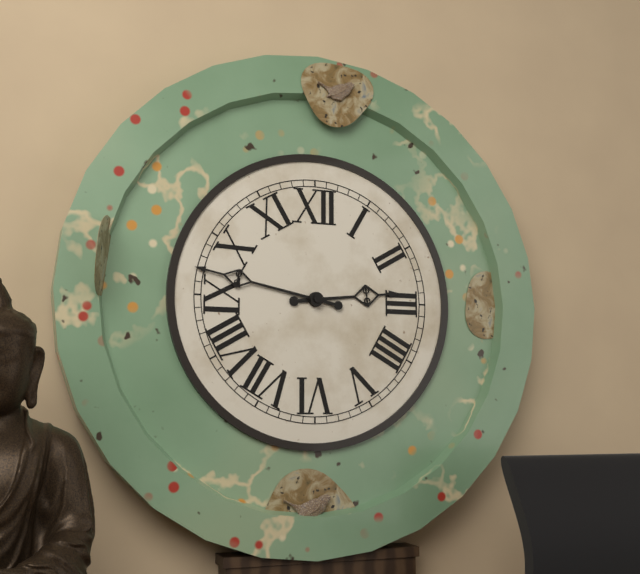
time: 2:47
